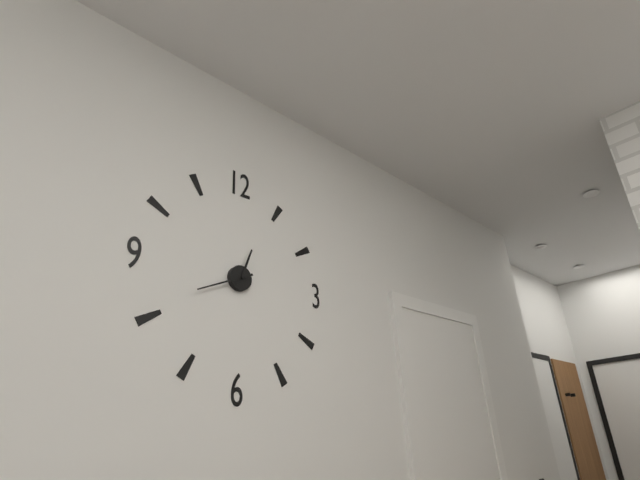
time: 12:41
